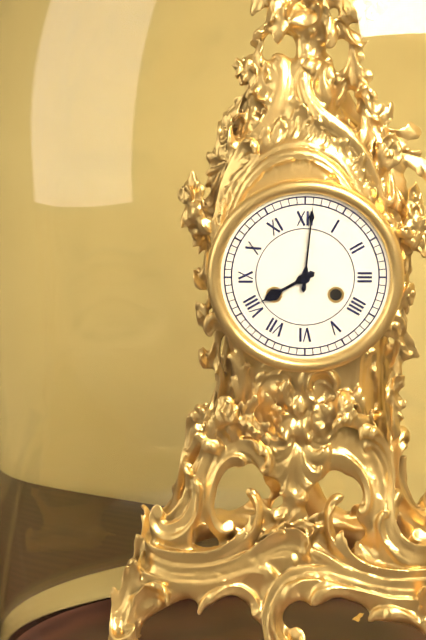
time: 8:01
